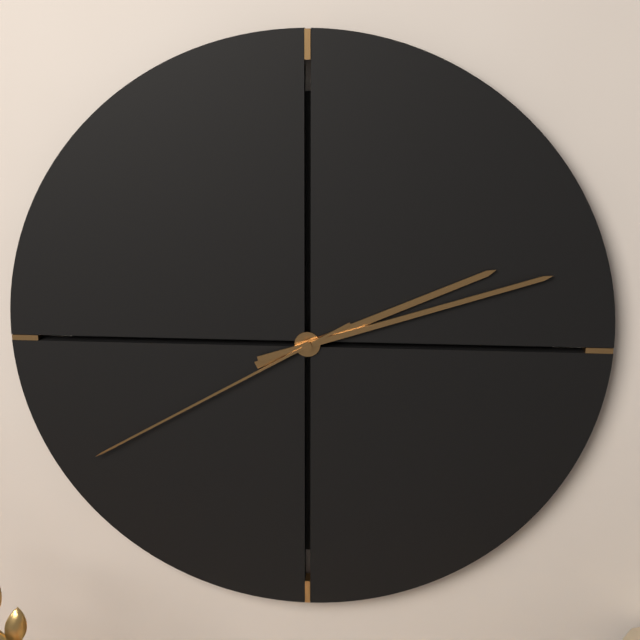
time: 2:12:40
